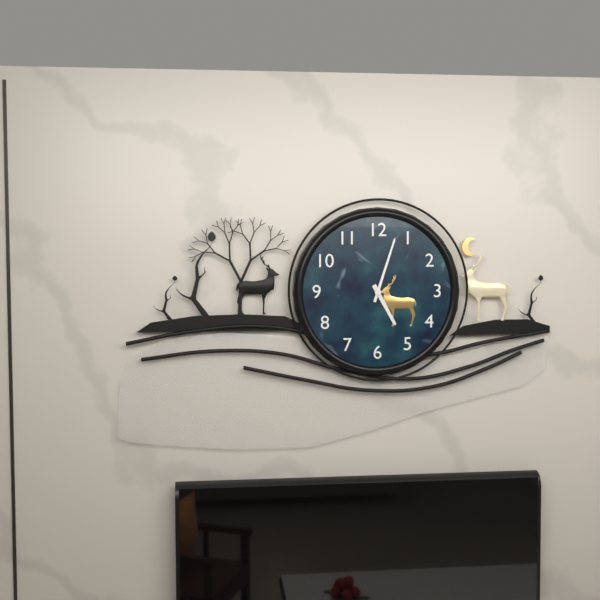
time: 5:03
